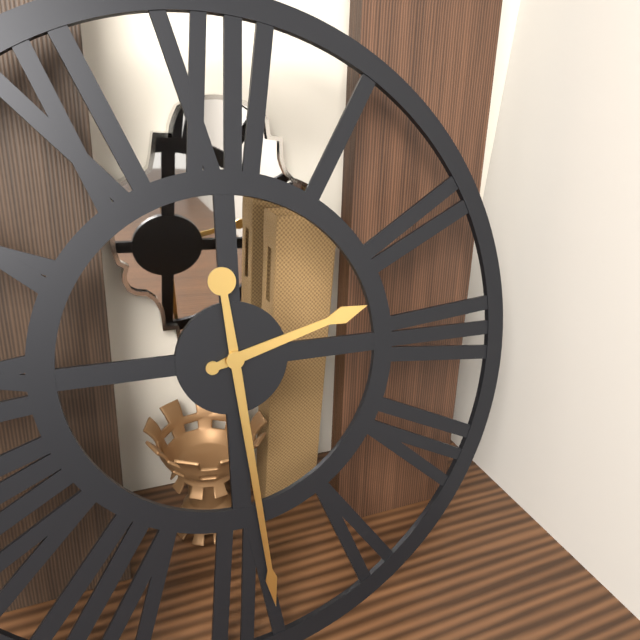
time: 2:29
